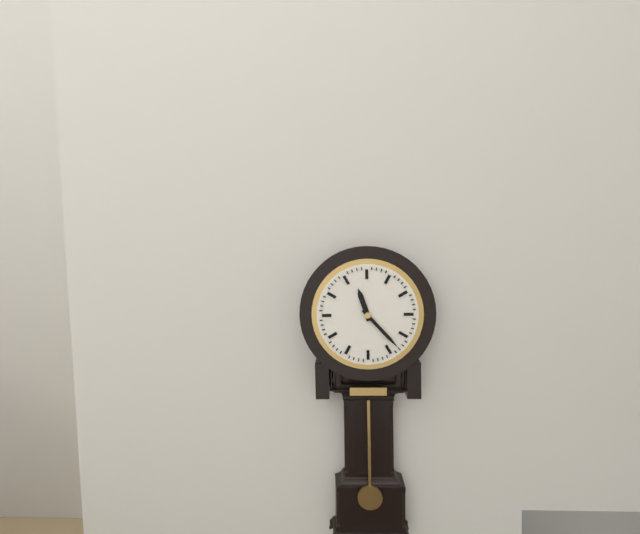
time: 11:23
